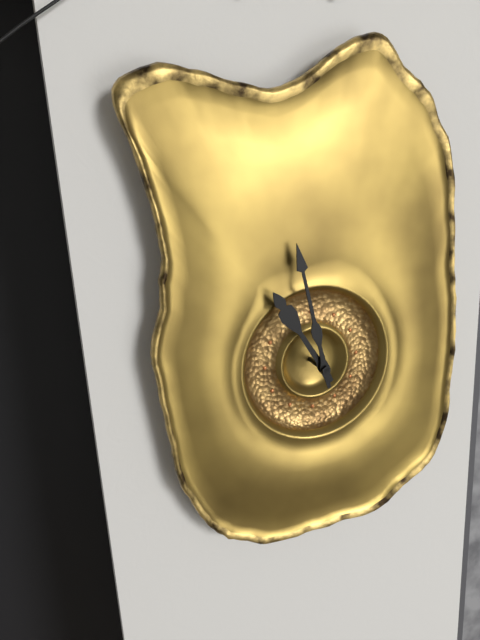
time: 10:58
